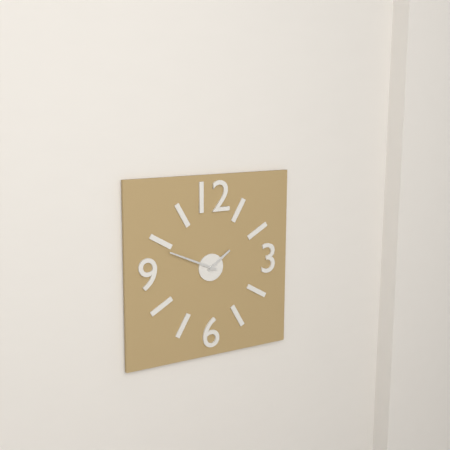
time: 1:49
